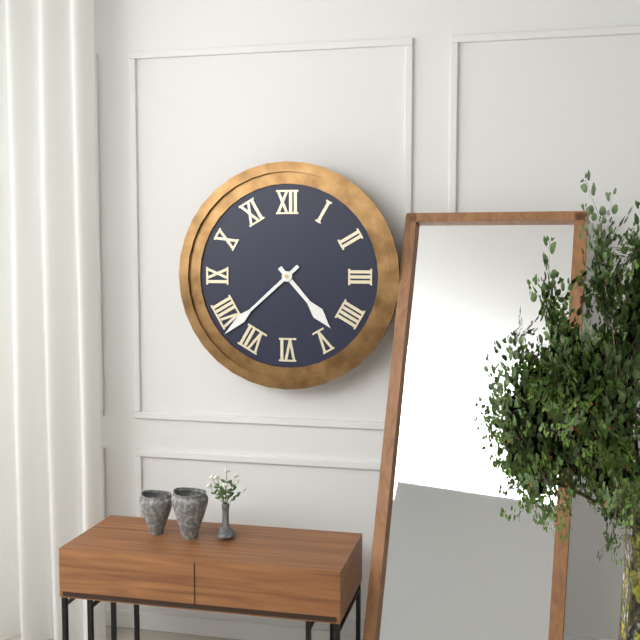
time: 4:38
